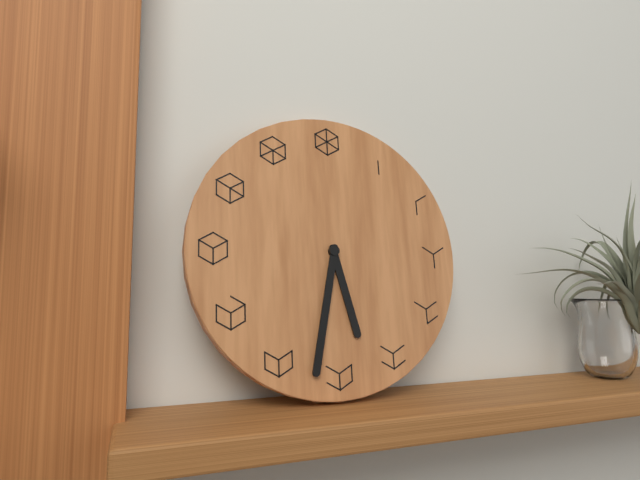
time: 5:32
